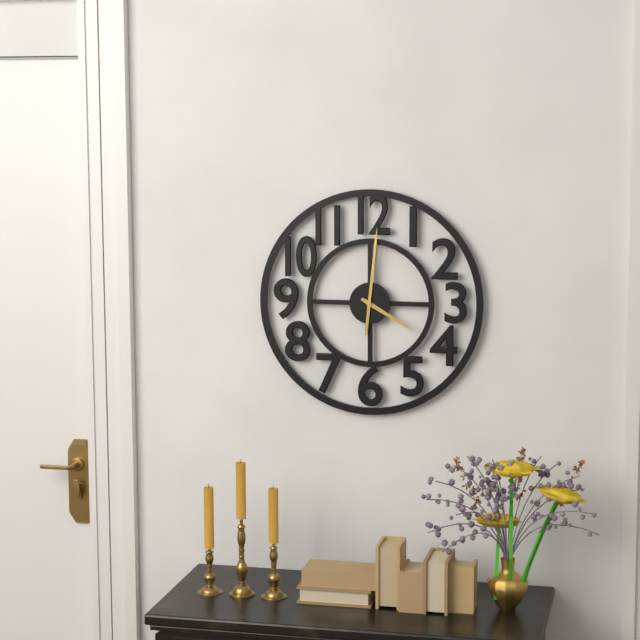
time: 4:01
